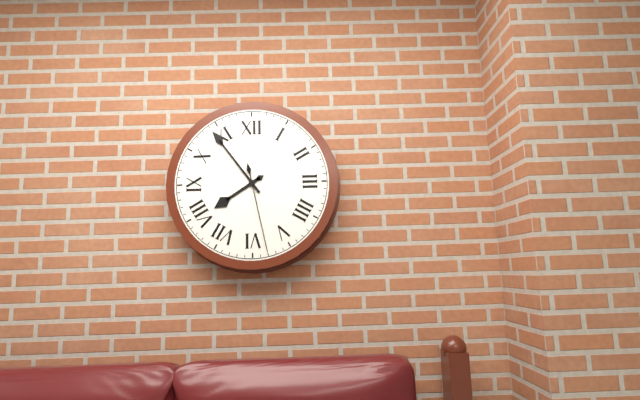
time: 7:54:28
